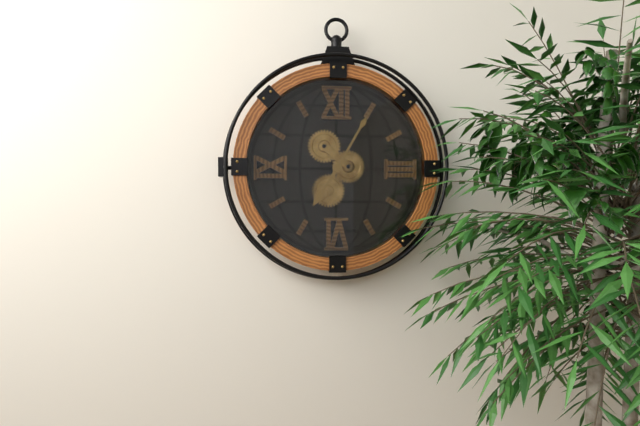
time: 7:05
